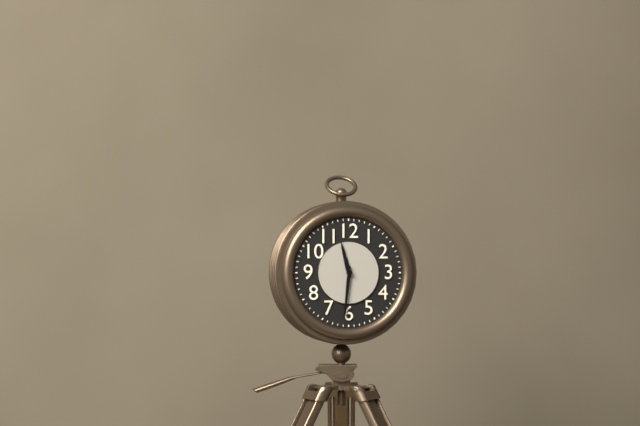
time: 11:31
